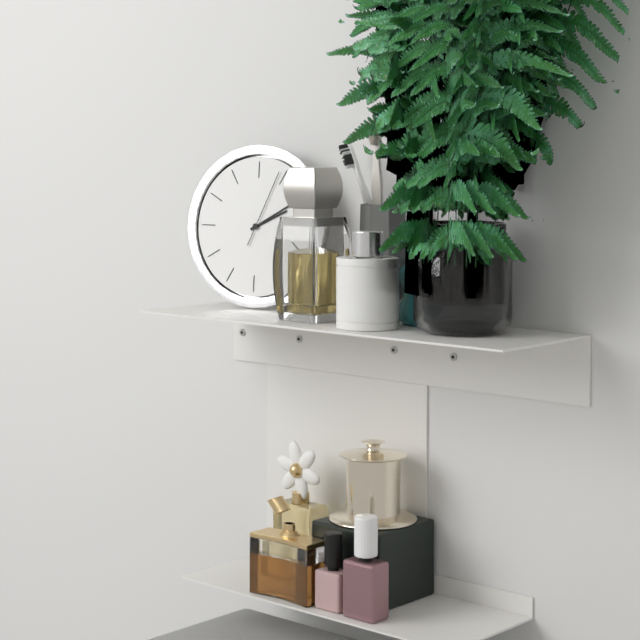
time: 2:10:04
